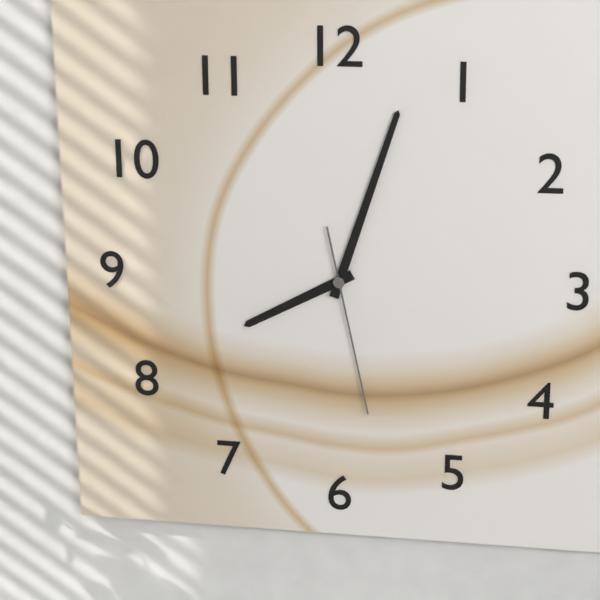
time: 8:03:28
